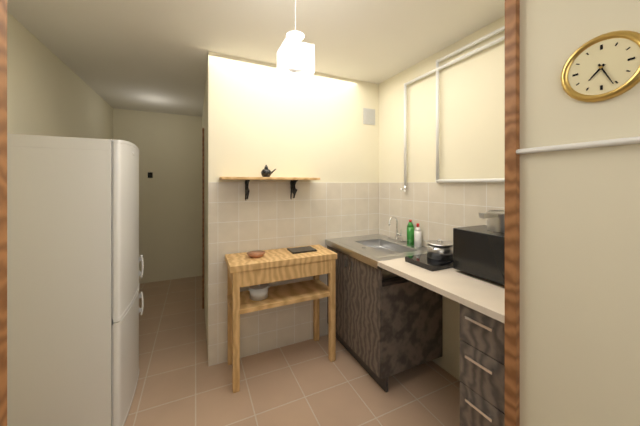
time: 7:26
